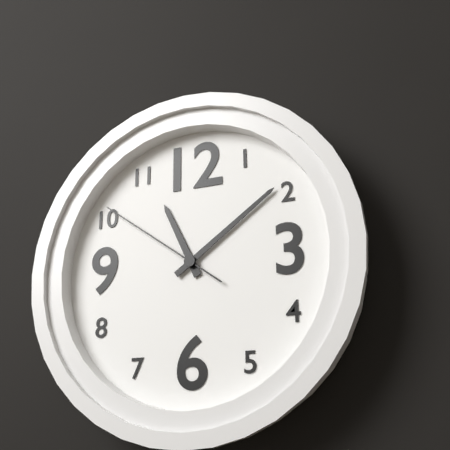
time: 11:09:51
